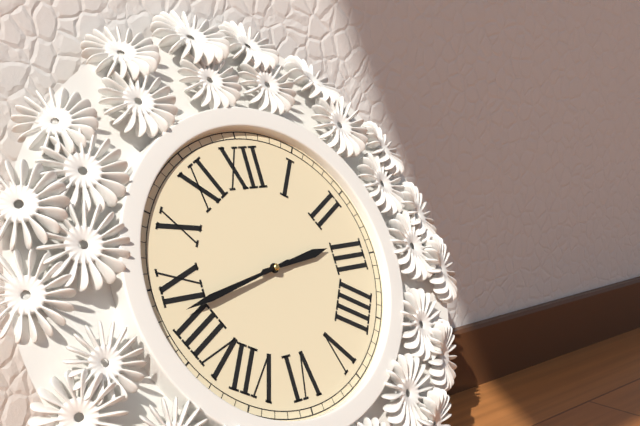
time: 2:43
